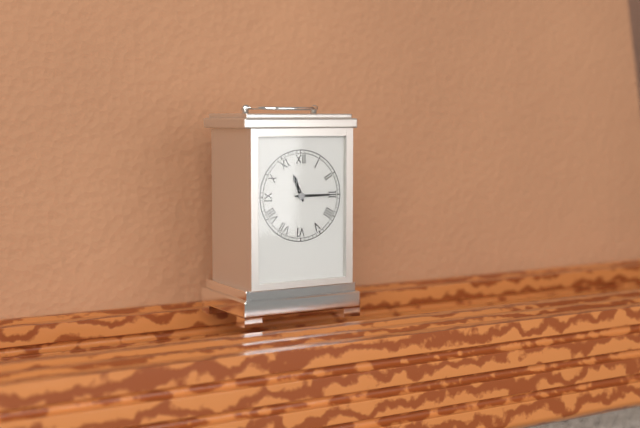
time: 11:15
